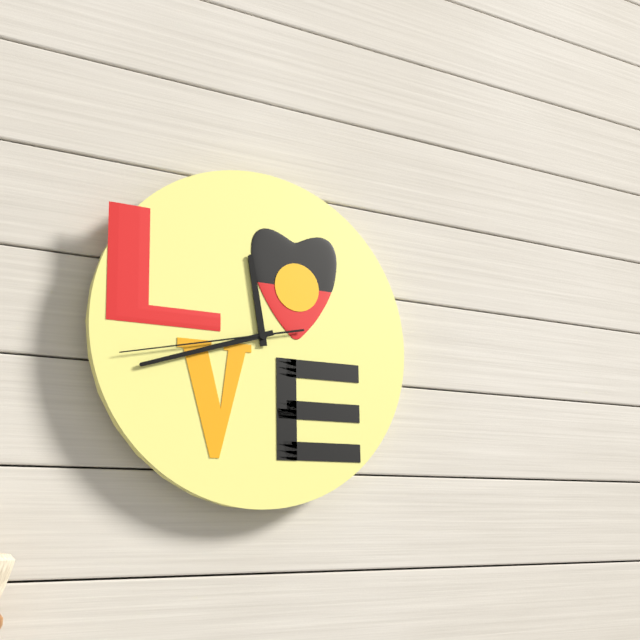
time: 11:42:43
